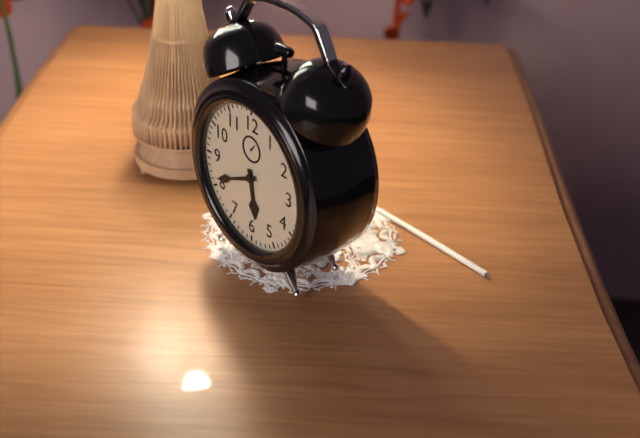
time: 5:41
